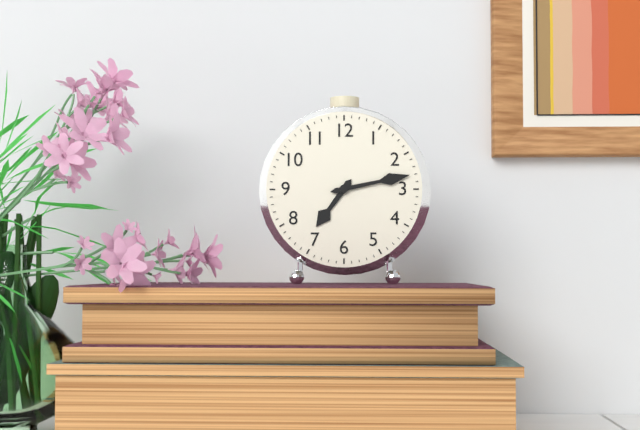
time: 7:13
